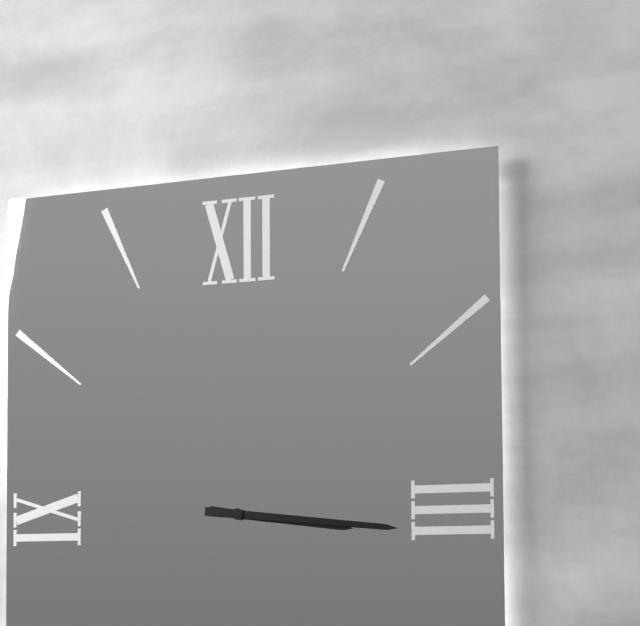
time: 3:16
